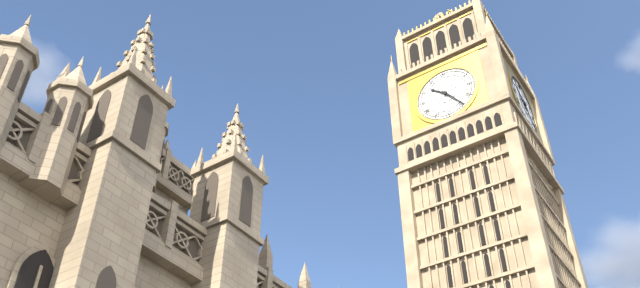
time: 10:24
